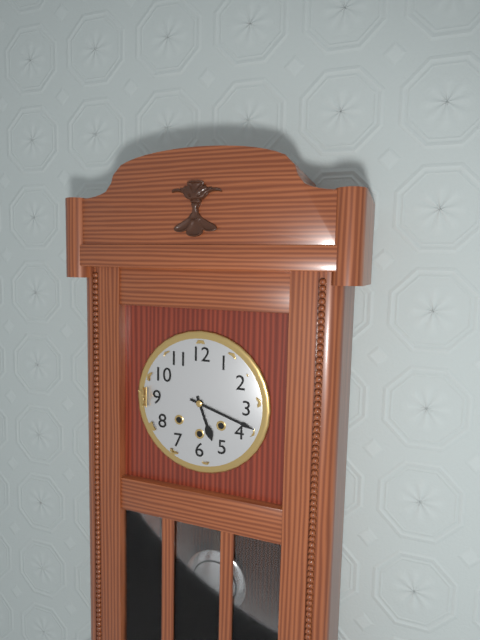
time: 5:18
